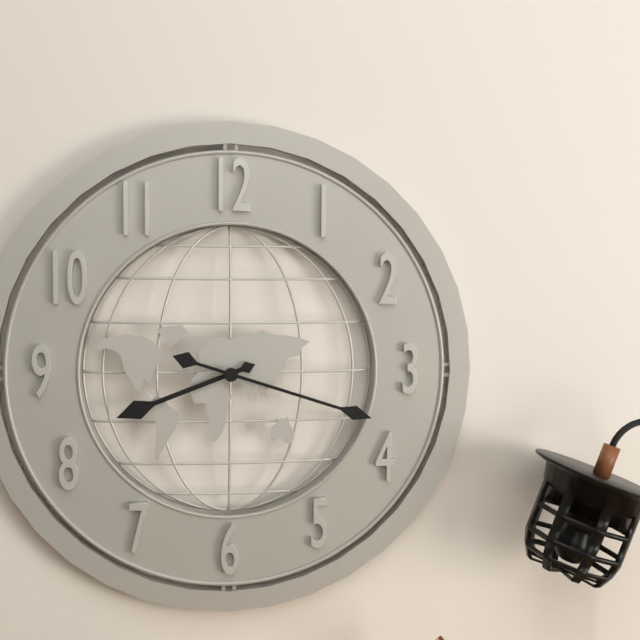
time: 8:18
